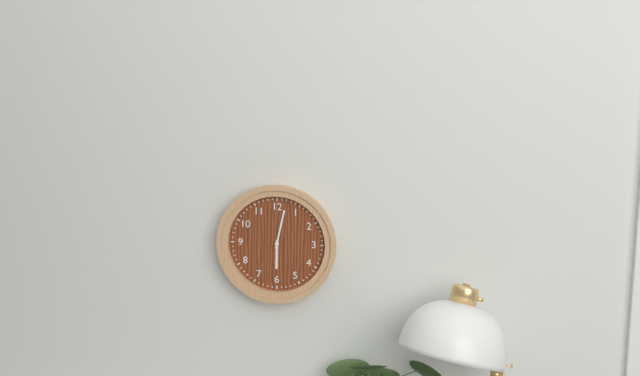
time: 6:02
